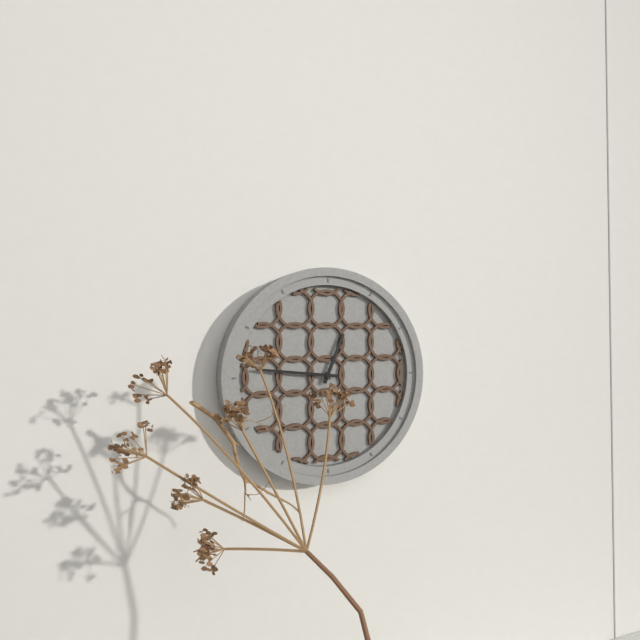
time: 12:46
